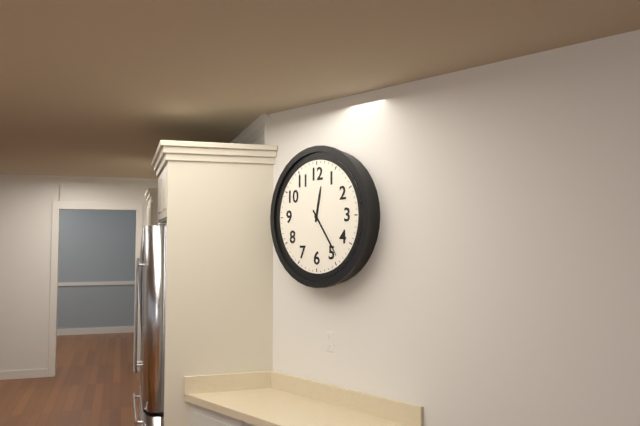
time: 12:24
